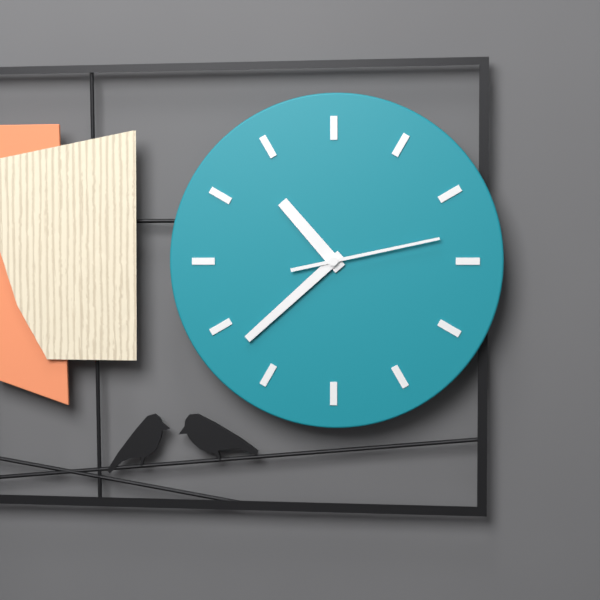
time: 10:38:13
